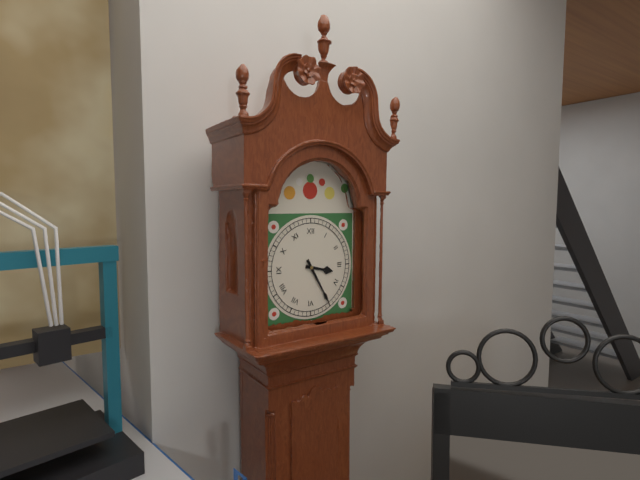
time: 3:25
